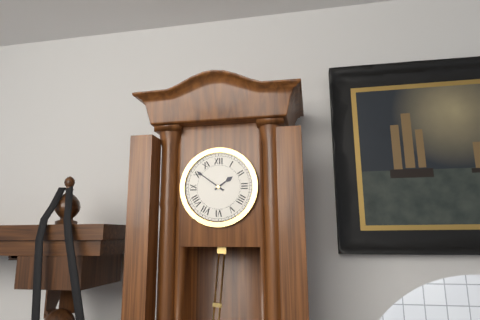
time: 1:51
